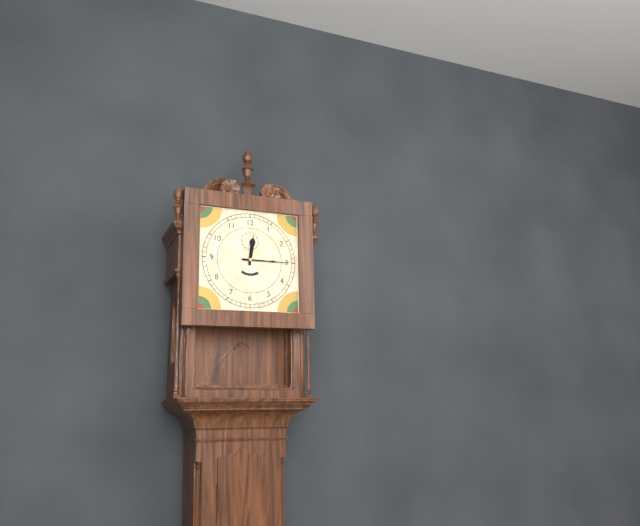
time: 12:15
